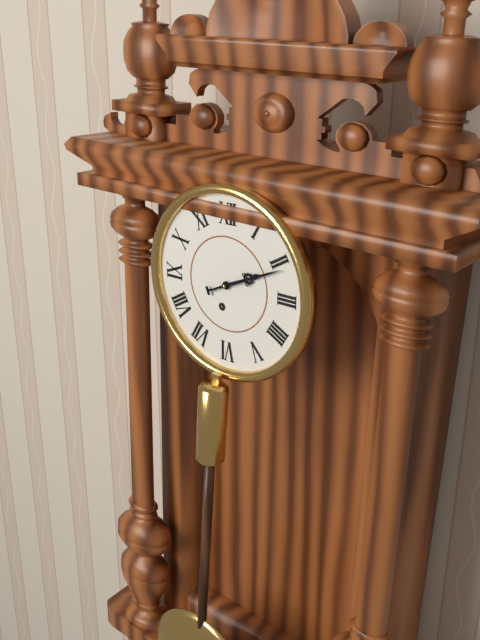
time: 2:11
